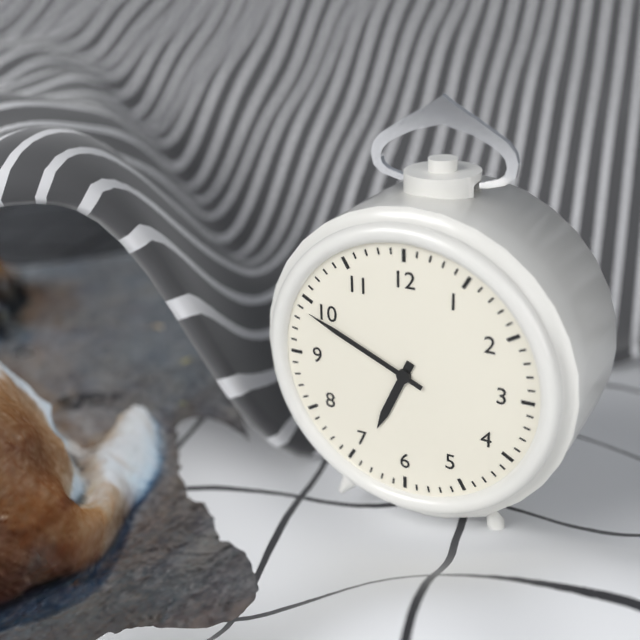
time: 6:49
